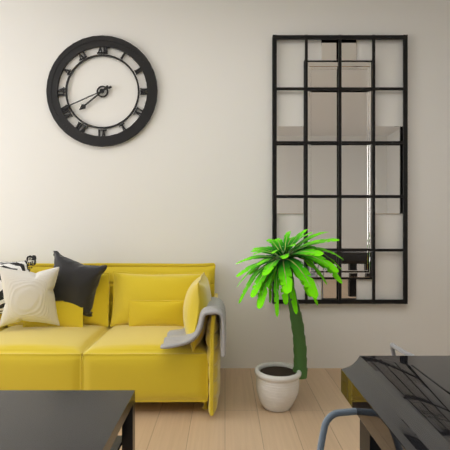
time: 7:41
